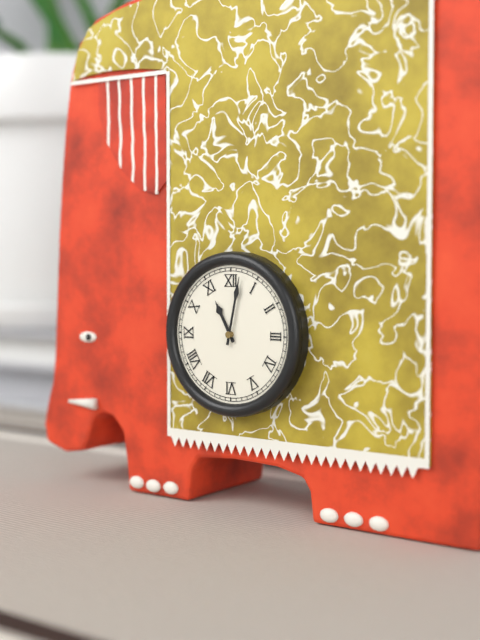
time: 11:02
